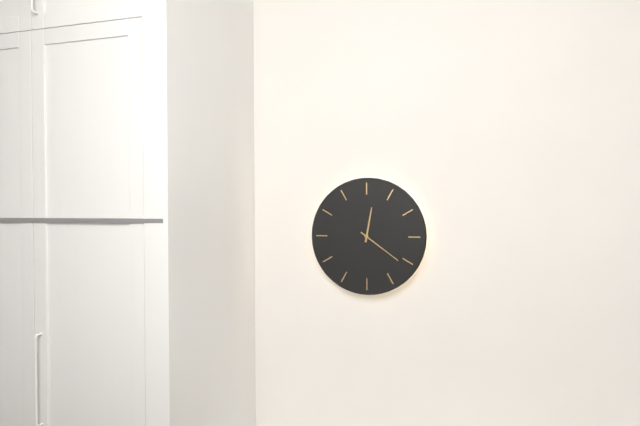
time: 12:21
